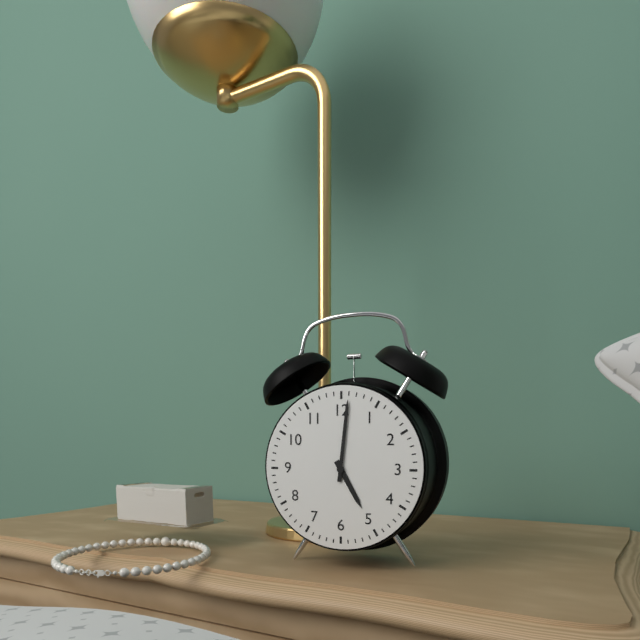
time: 5:01
